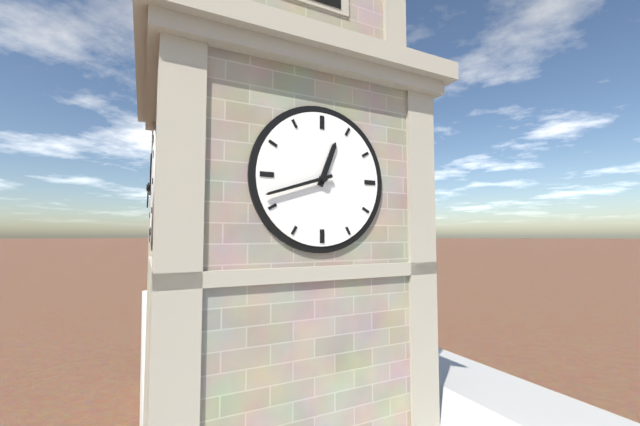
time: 12:42
